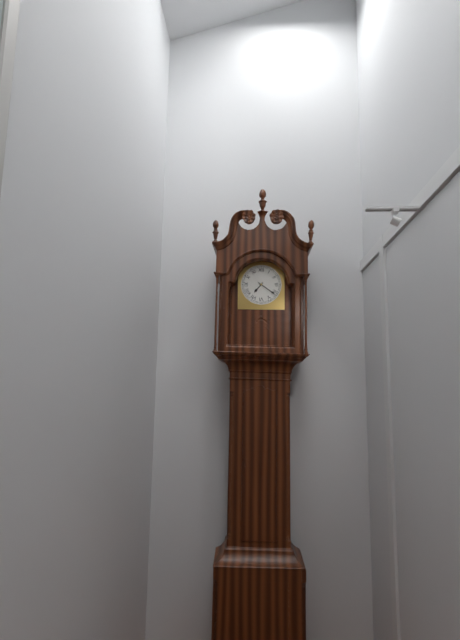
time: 7:21
